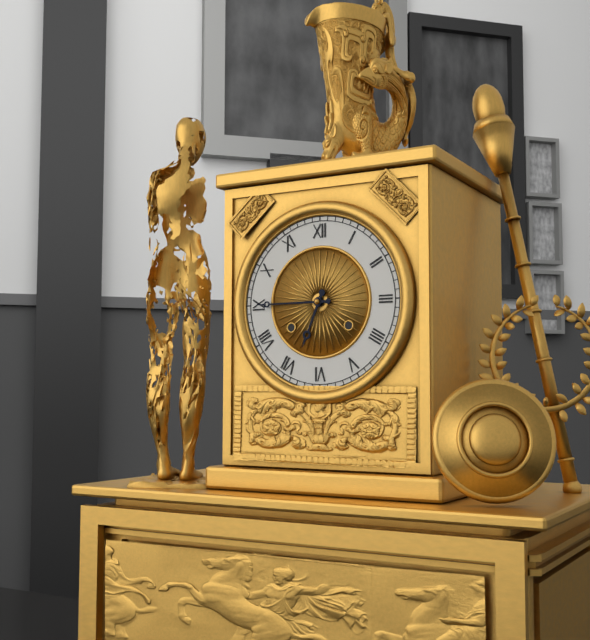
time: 6:45
